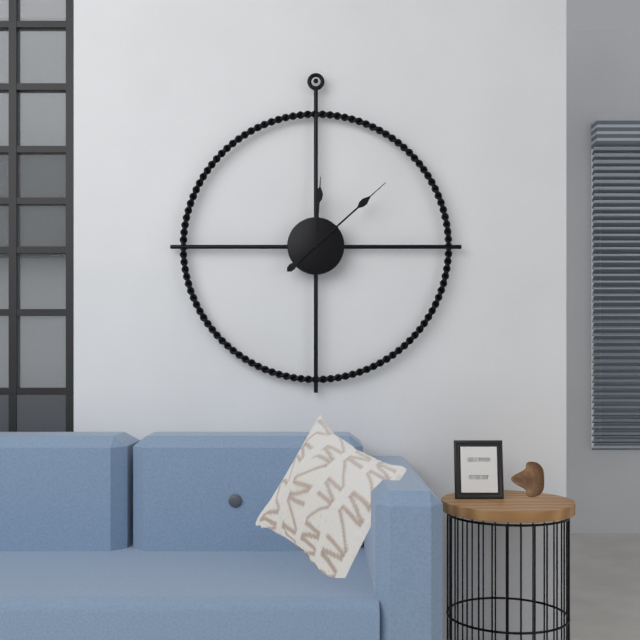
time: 12:08
